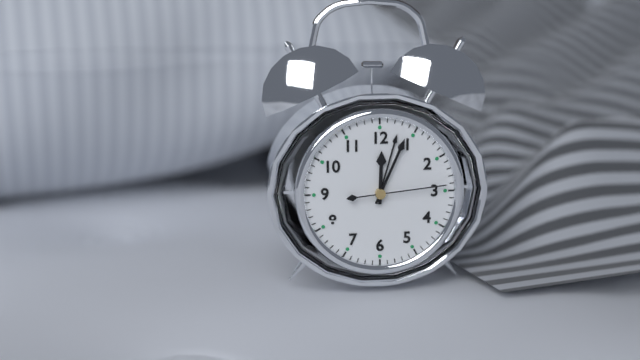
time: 12:04:14
